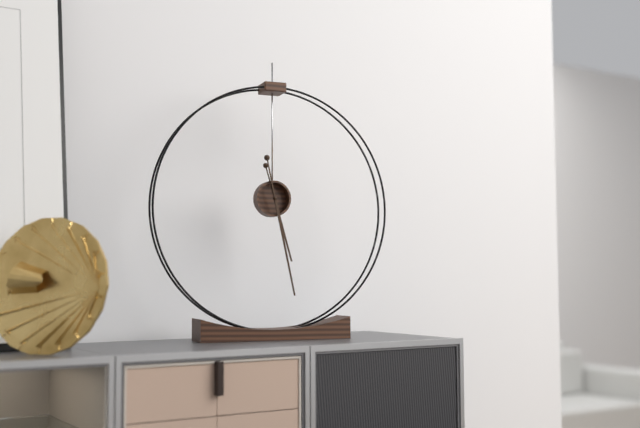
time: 5:28
